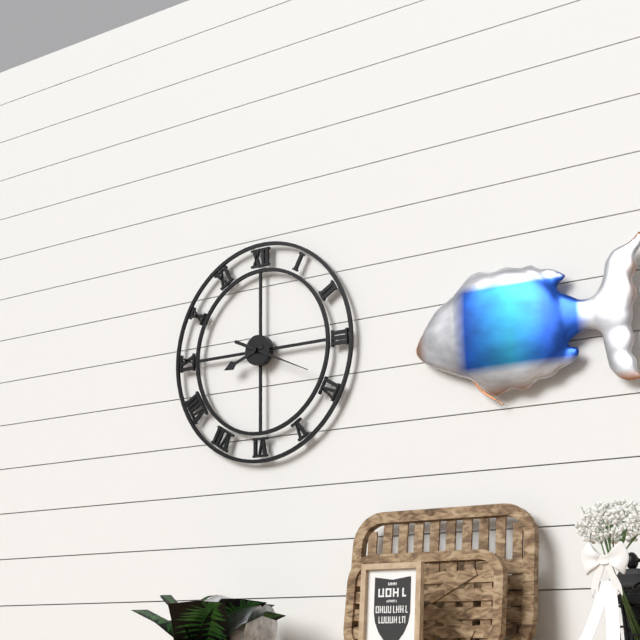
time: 8:19
